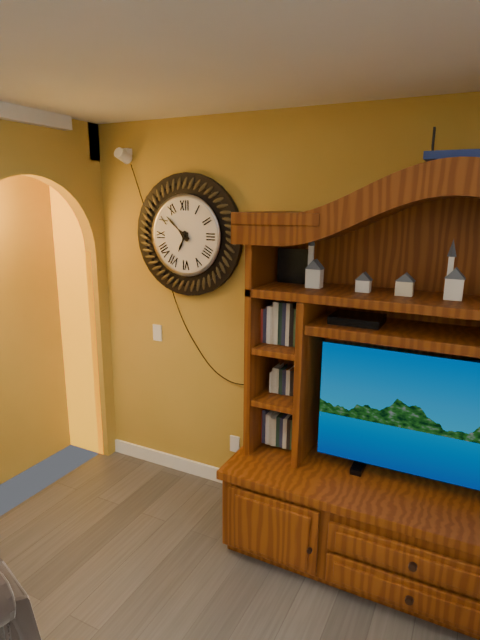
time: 6:52
